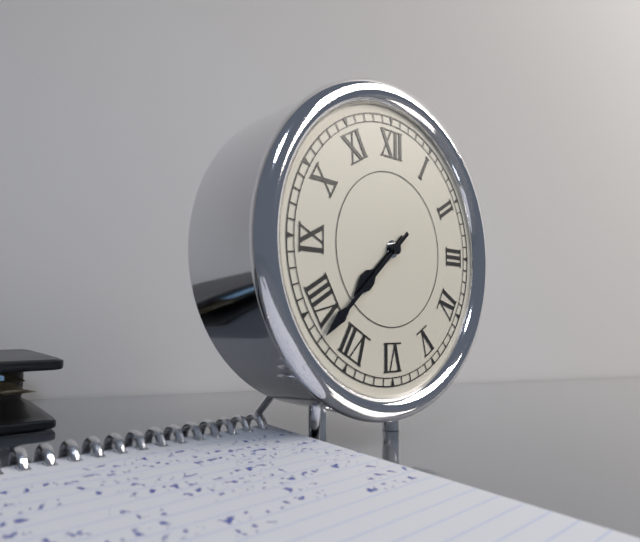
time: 7:38
